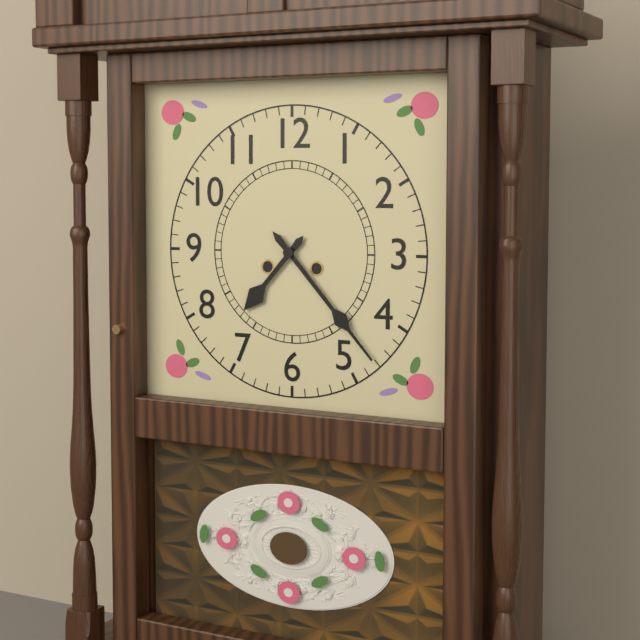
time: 7:23
